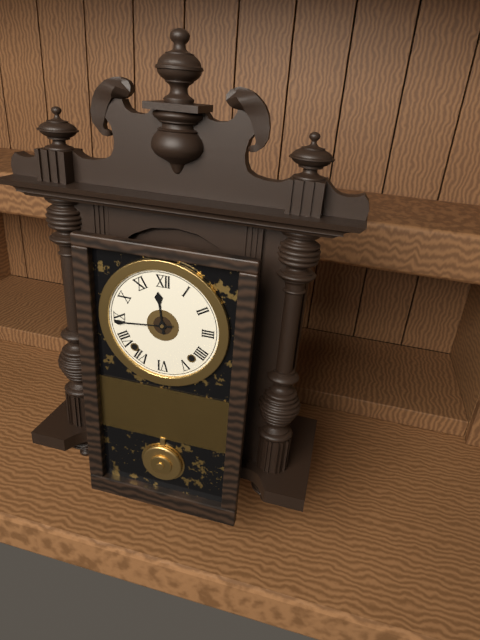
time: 11:44
